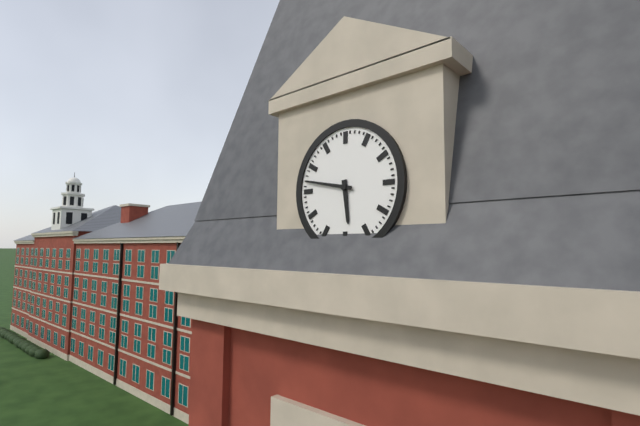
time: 5:47
